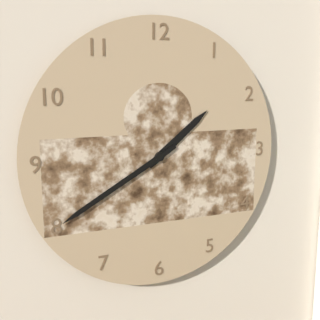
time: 1:40
